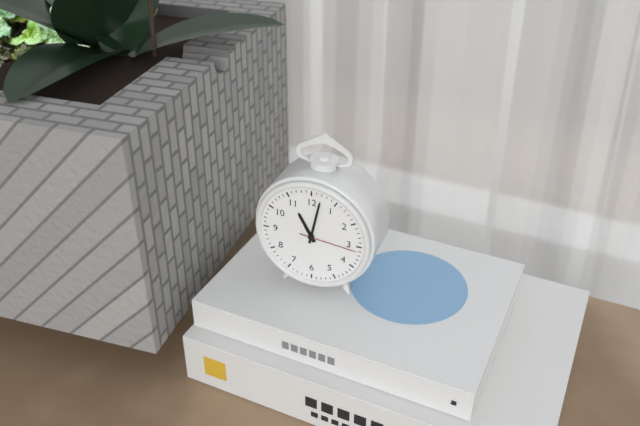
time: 11:02:16
